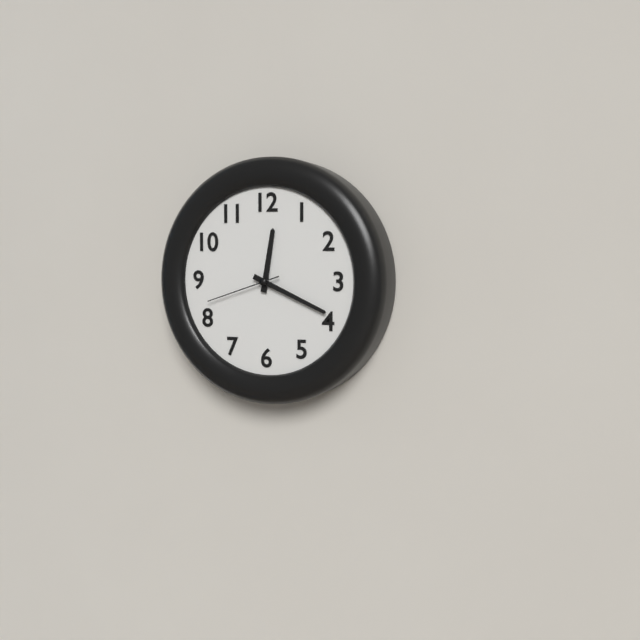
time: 12:19:42
